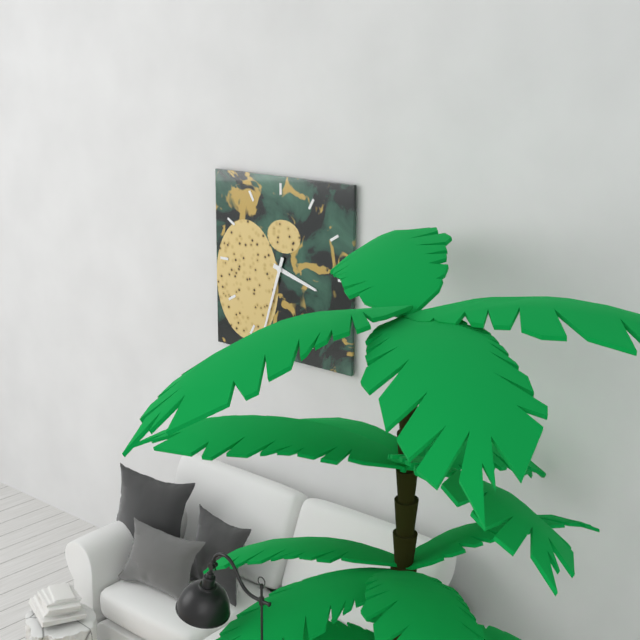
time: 3:33
